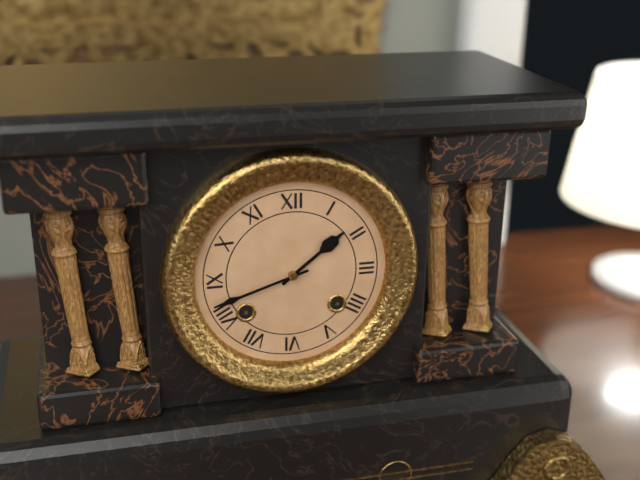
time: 1:42
